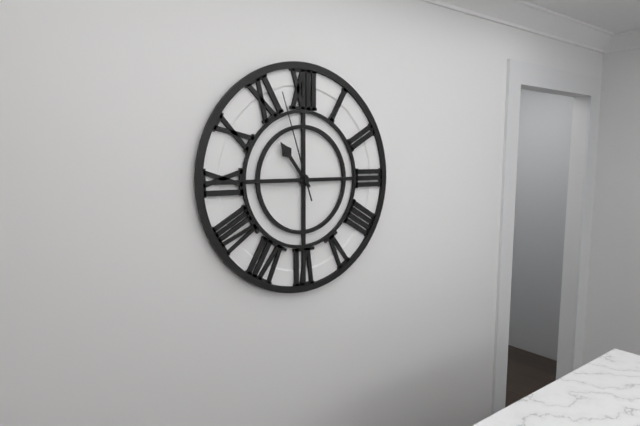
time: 10:45:57
